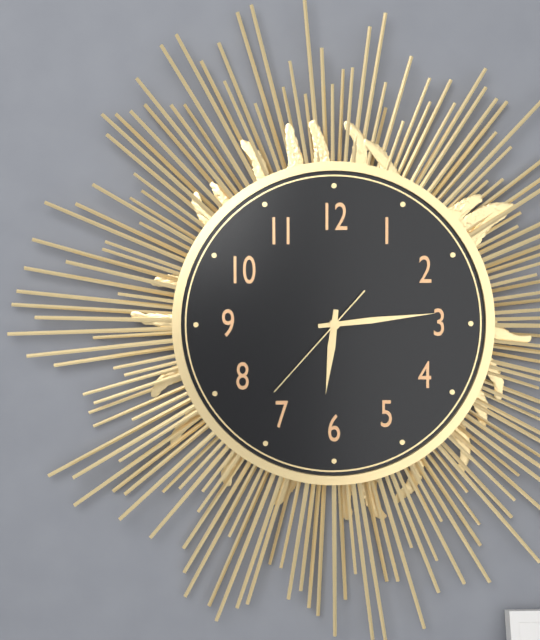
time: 6:14:37
